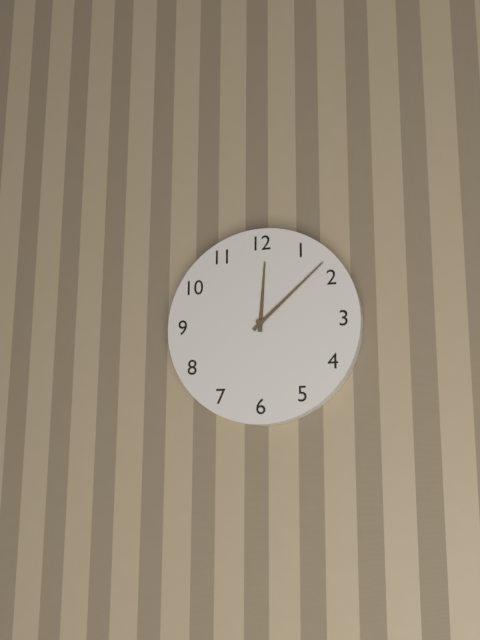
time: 12:08
